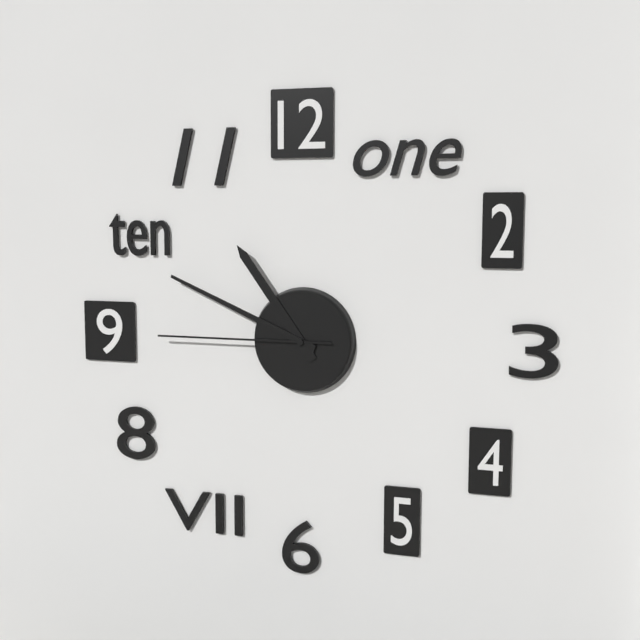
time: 10:49:45
